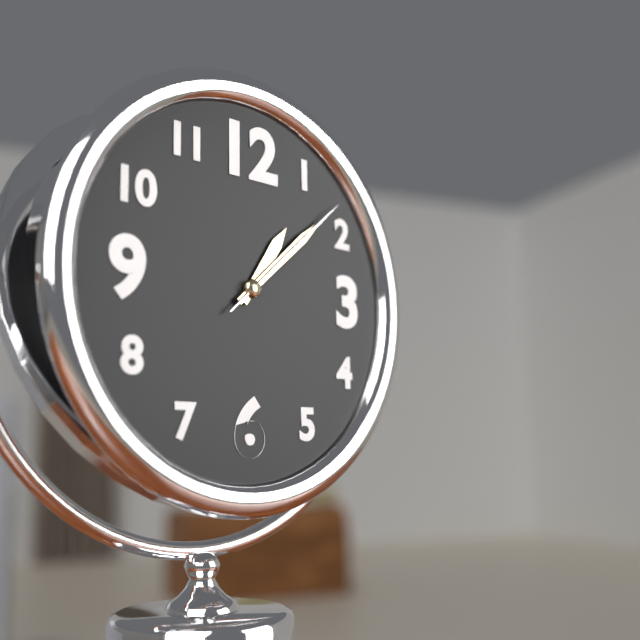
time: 1:08:08
